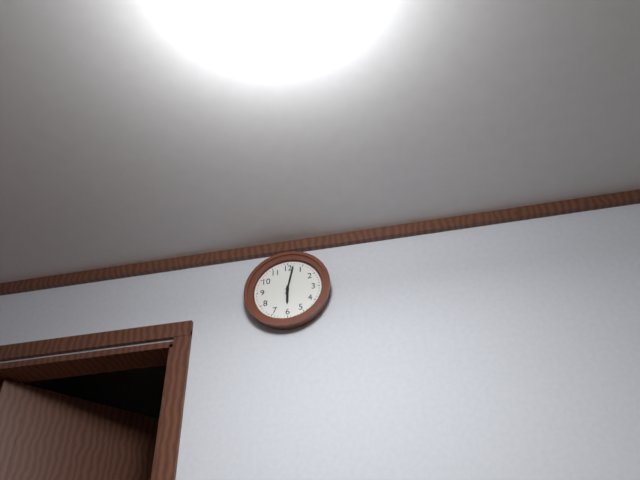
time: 6:02
